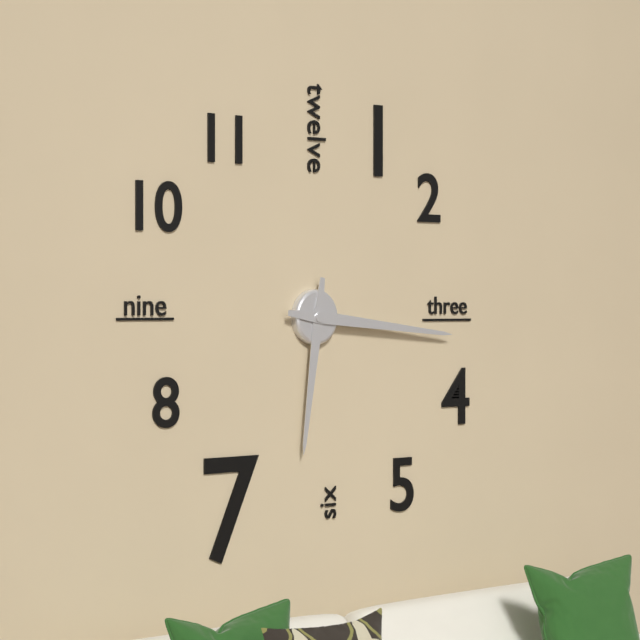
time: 6:16
